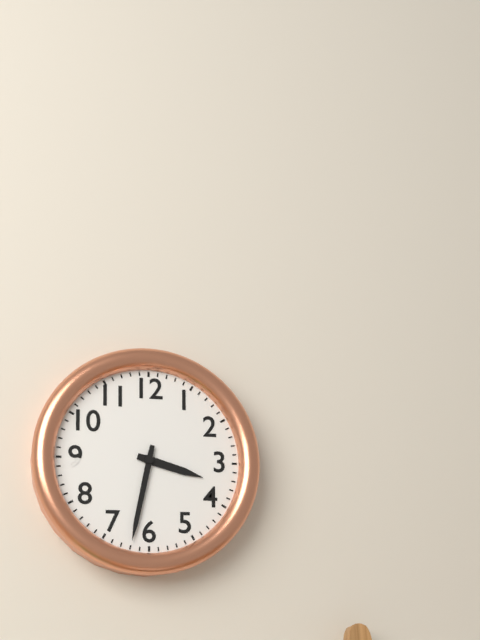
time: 3:32
